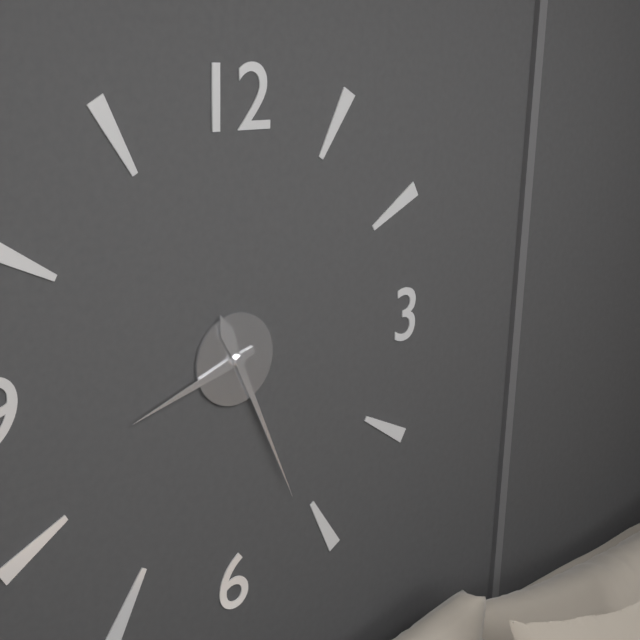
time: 8:26
